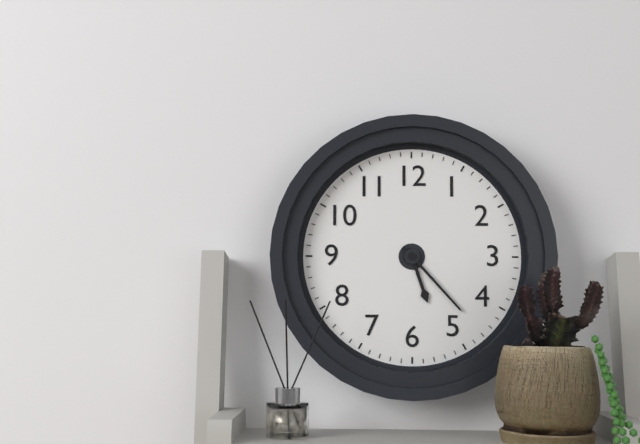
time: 5:23
